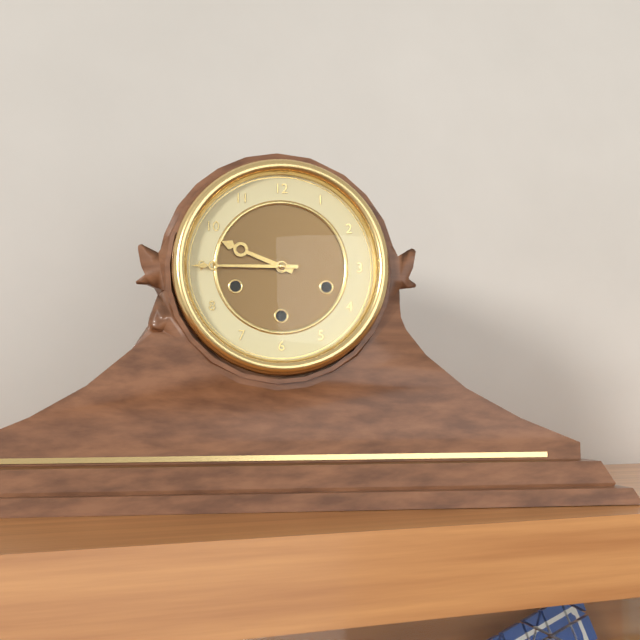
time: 9:45
